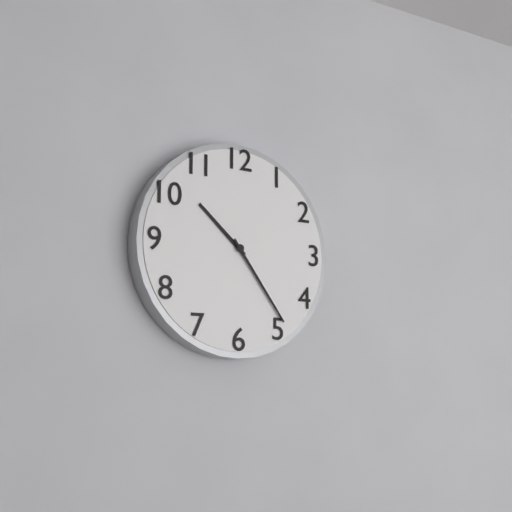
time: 10:24
